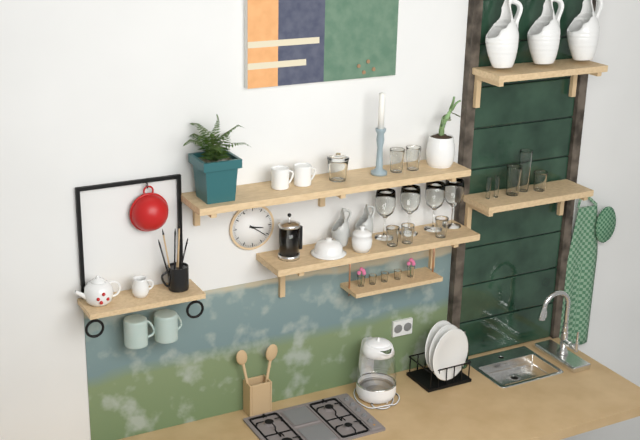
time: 3:21
